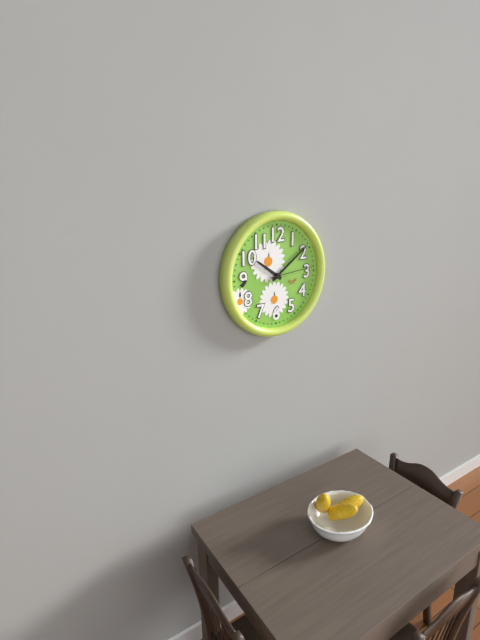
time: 10:09
